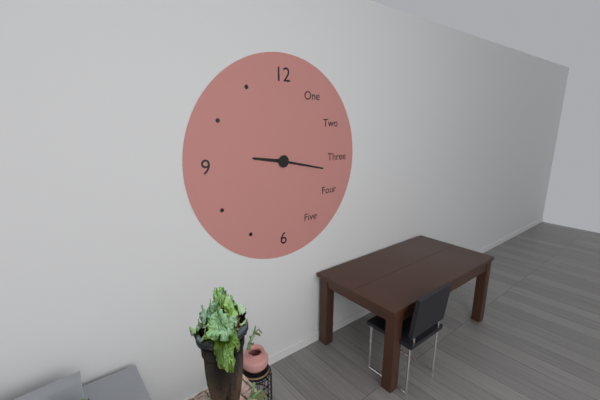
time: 9:17
